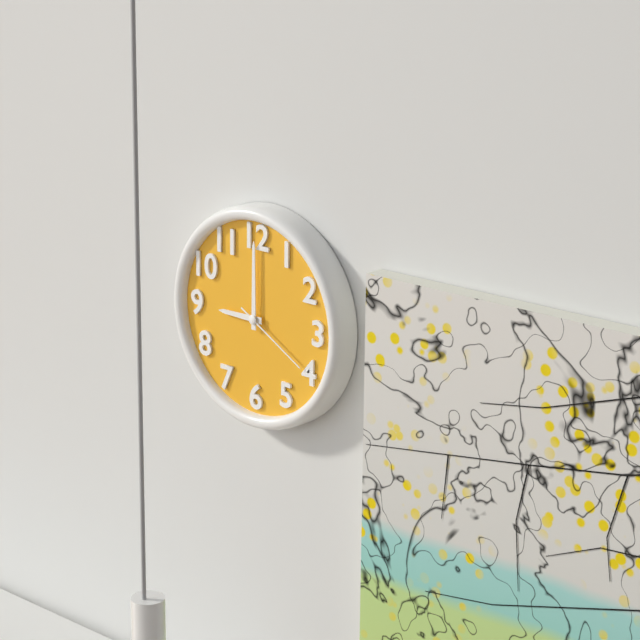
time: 9:00:20
